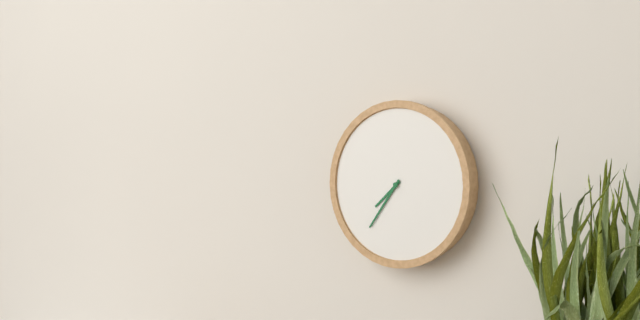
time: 7:36
